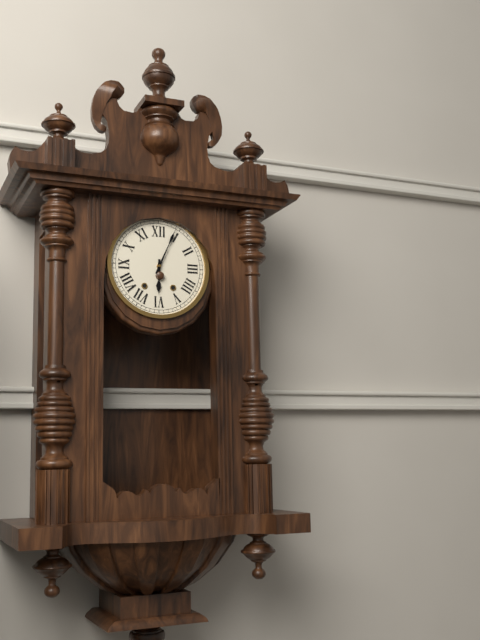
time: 6:04
